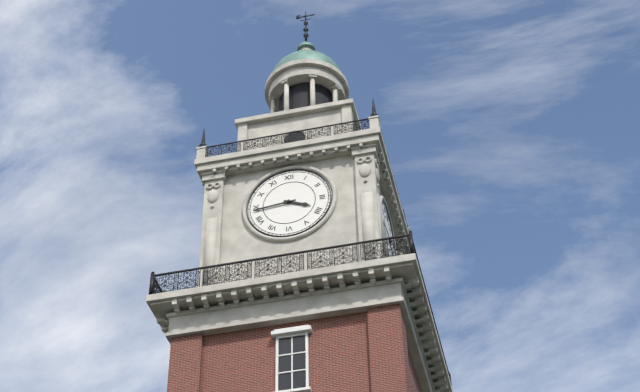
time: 3:44
